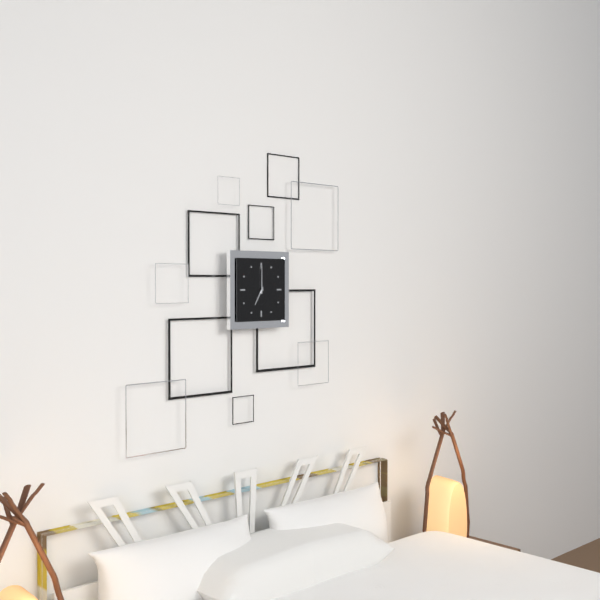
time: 7:00
